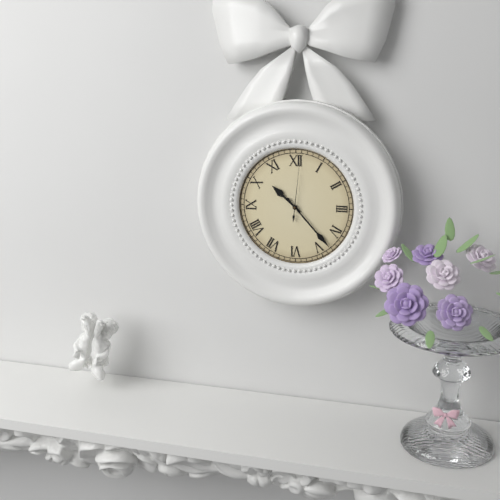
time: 10:23:01
